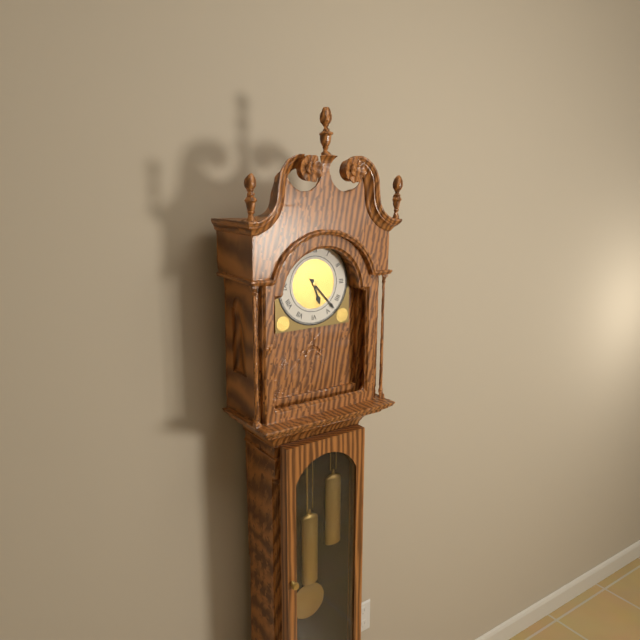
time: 5:23
